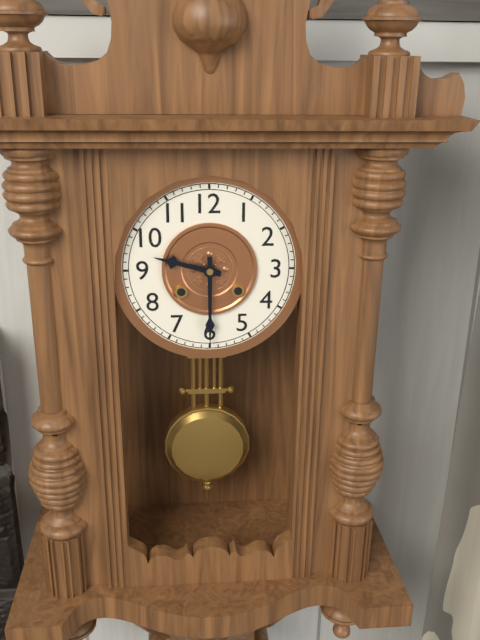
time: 9:30
